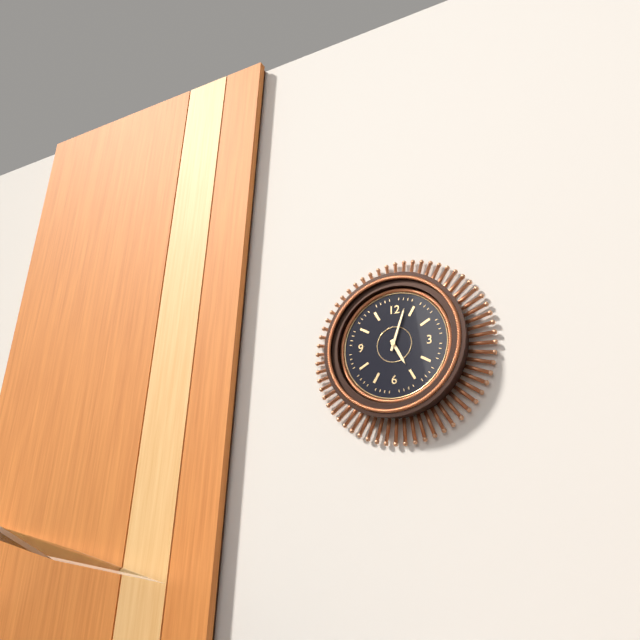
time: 5:03
